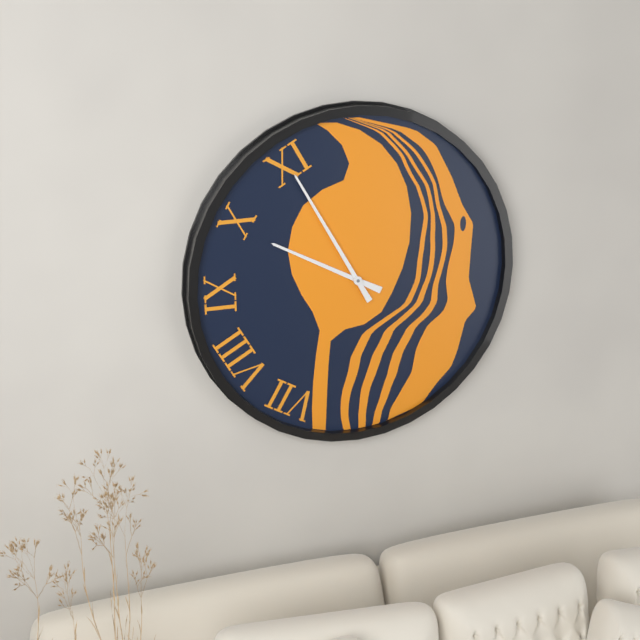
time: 9:55
